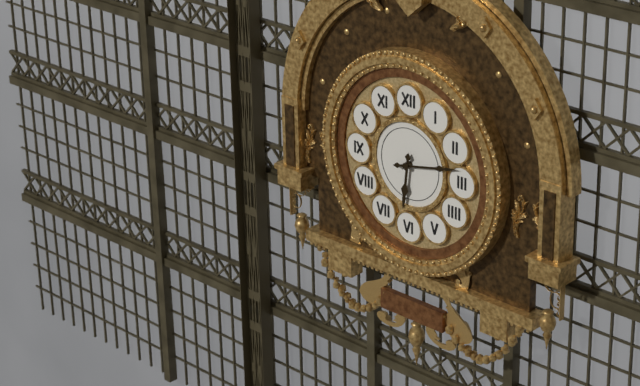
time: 6:13
